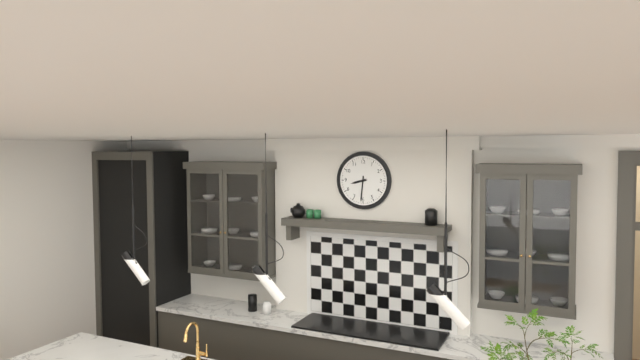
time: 8:31
